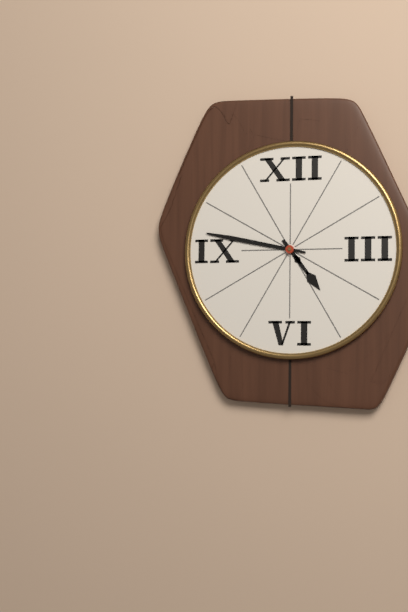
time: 4:47
